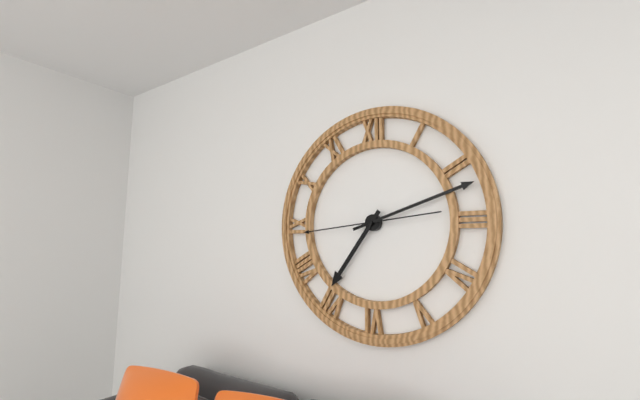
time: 7:12:44
